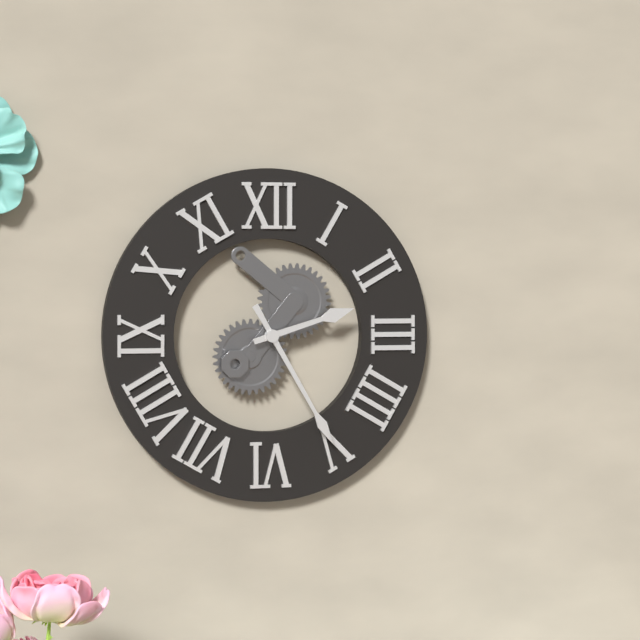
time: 2:25
